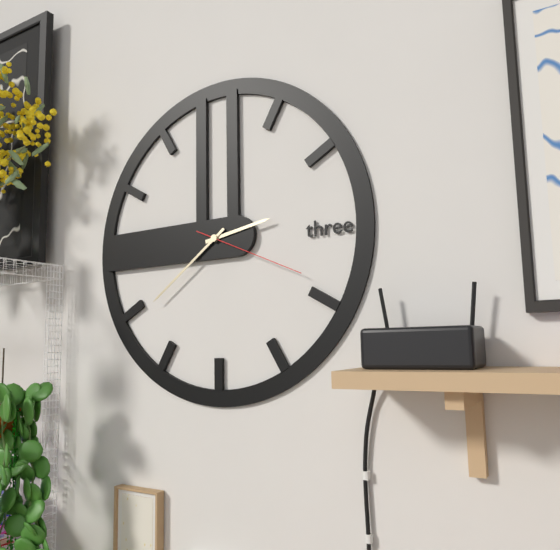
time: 2:39:19
